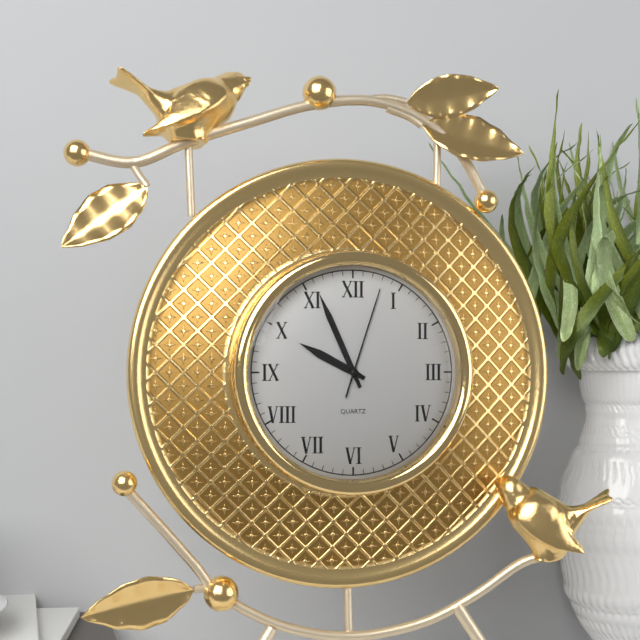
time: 9:56:03
